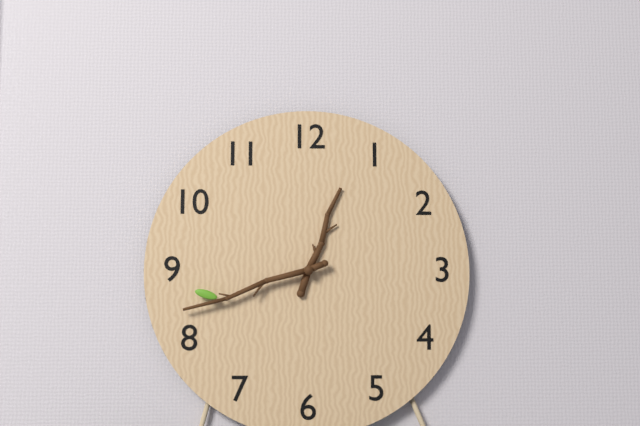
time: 12:42
